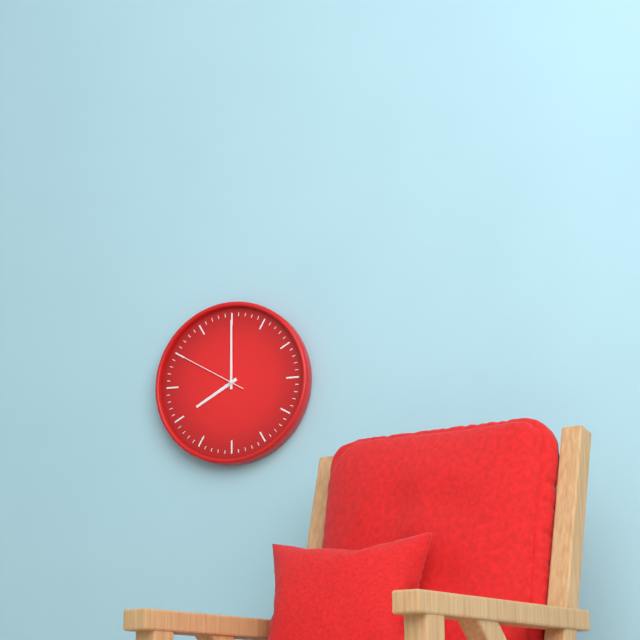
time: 8:00:50
